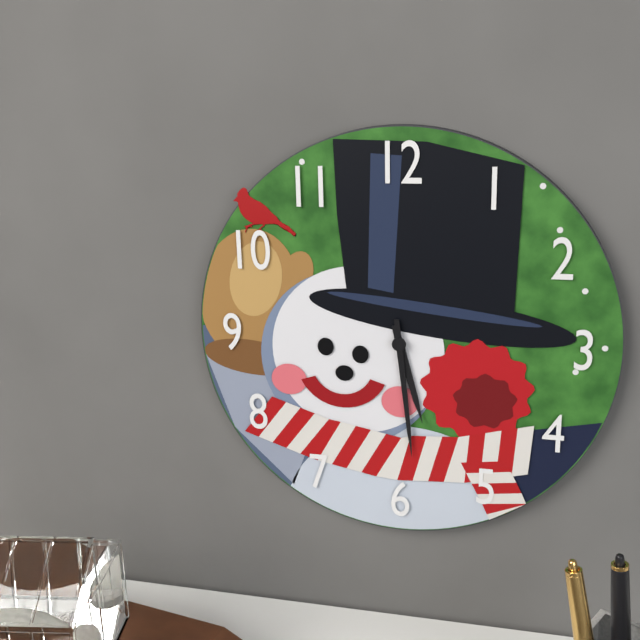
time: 5:29
